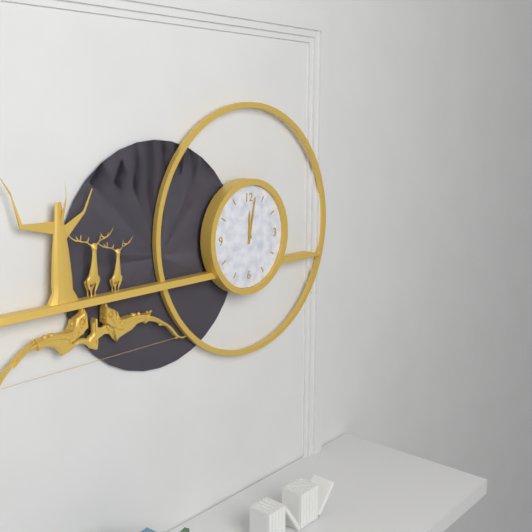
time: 12:02
